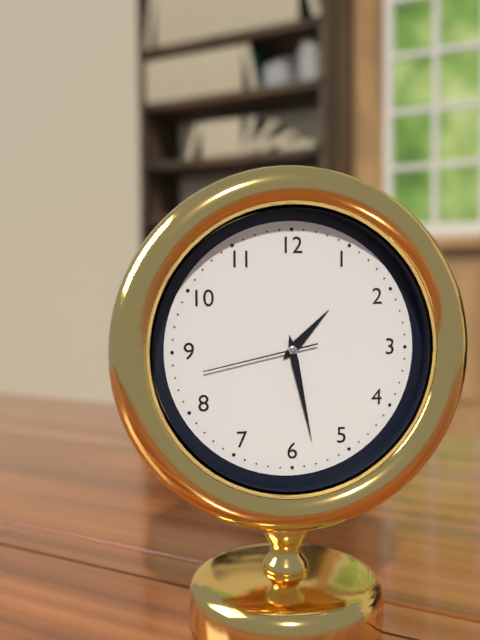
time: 1:28:43
